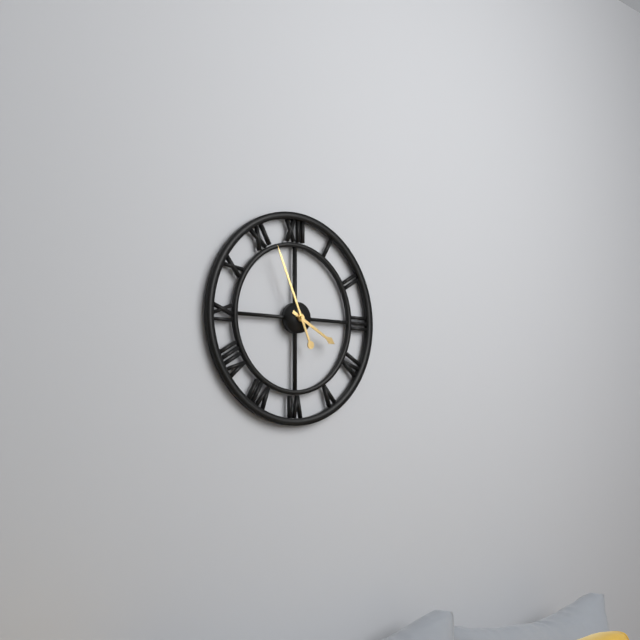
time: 3:56
